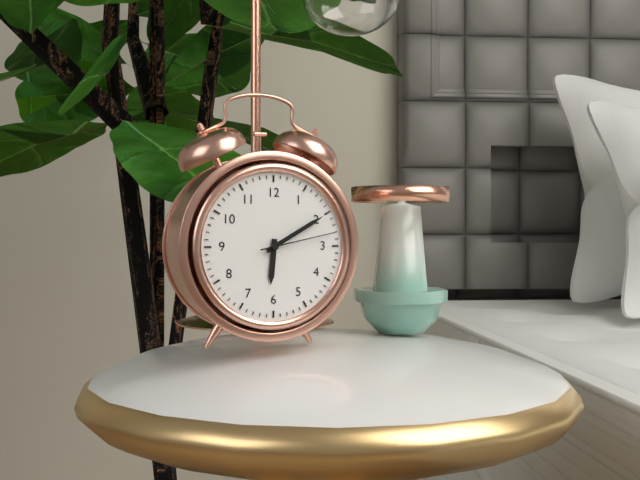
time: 6:10:13
